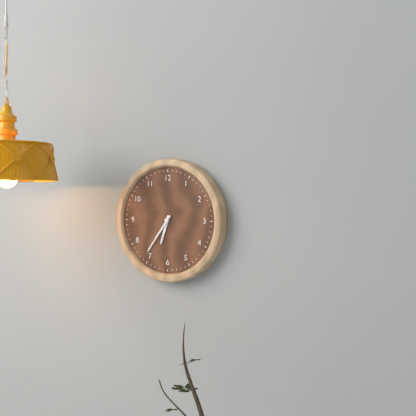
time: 6:36
